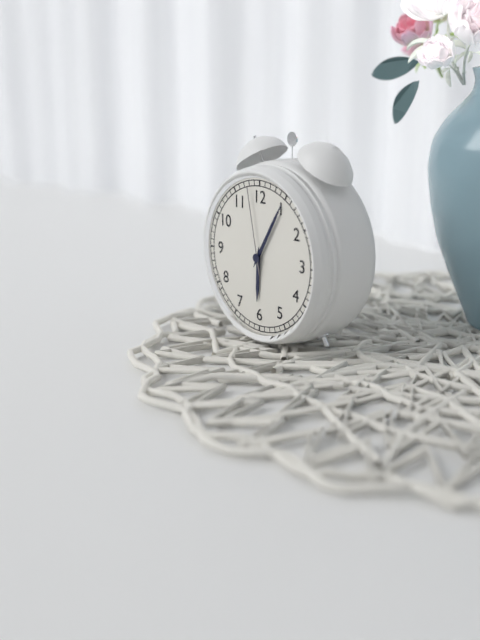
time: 6:05:58
